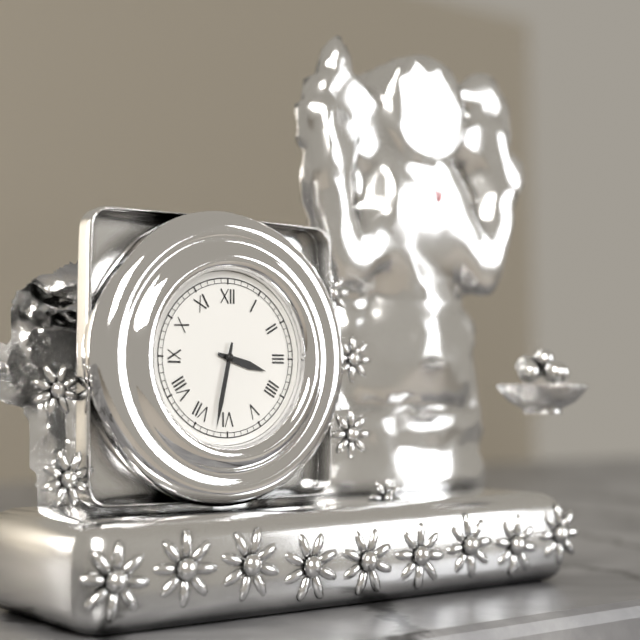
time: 3:32
